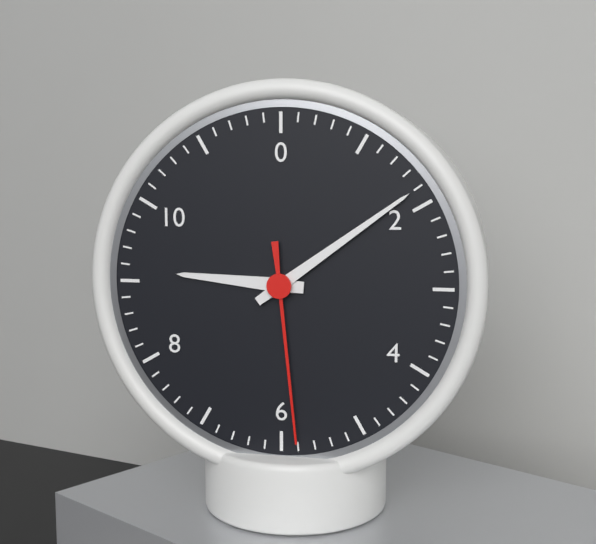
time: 9:09:29
